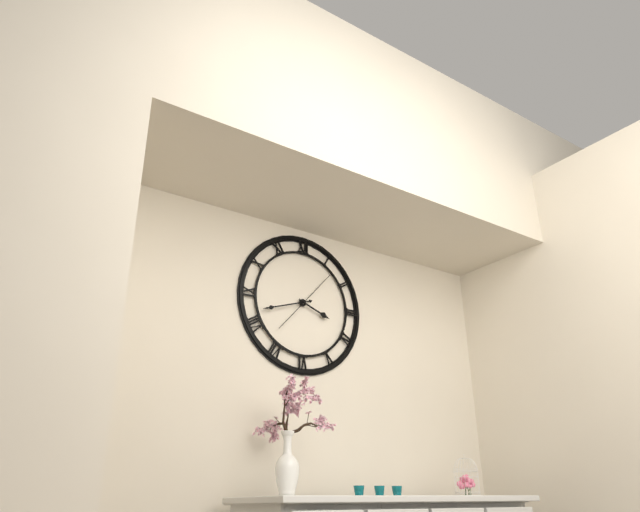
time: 3:42
